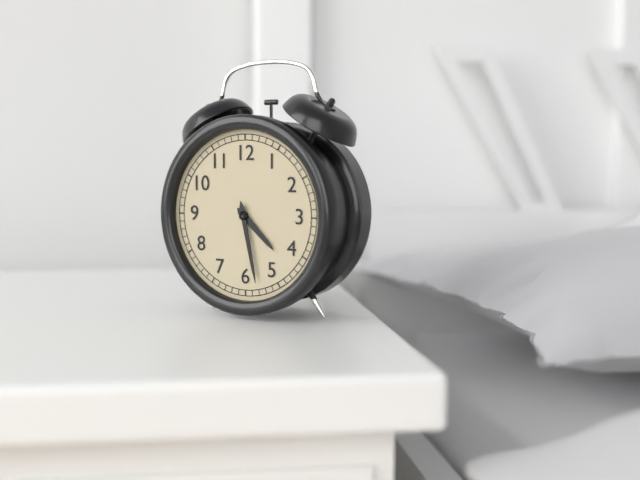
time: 4:28
